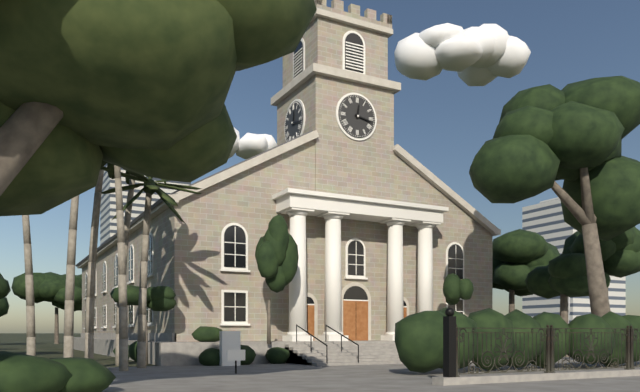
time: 12:17
